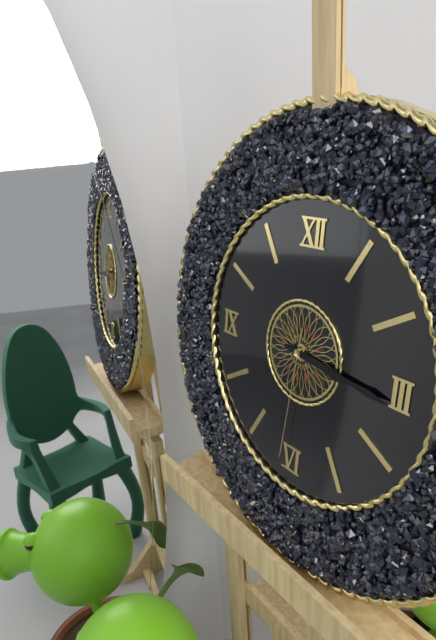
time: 3:16:31
